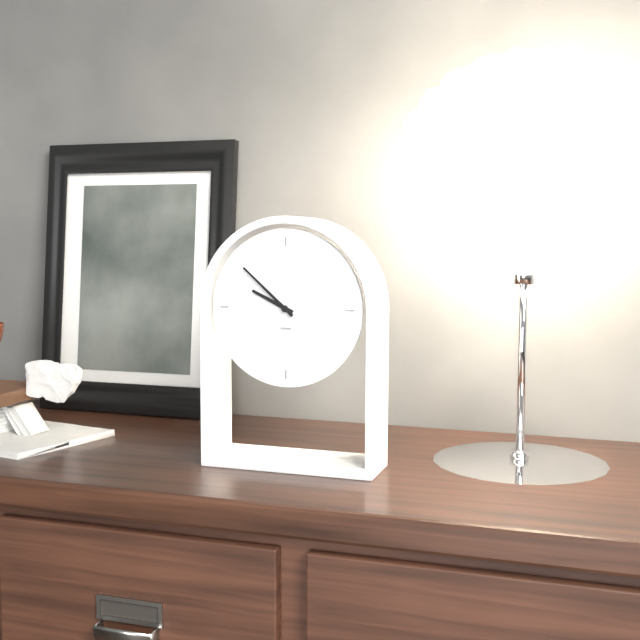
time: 9:52
